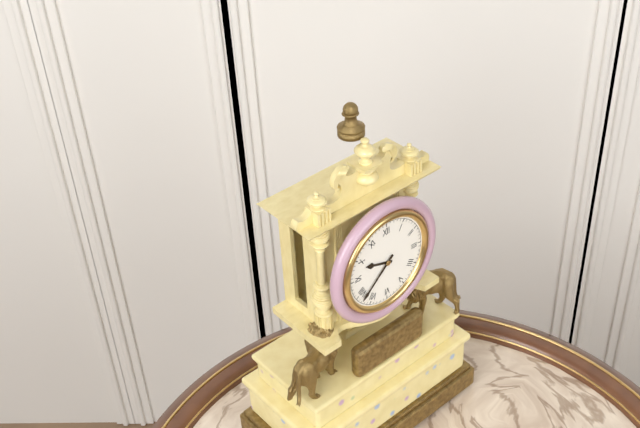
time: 9:38
